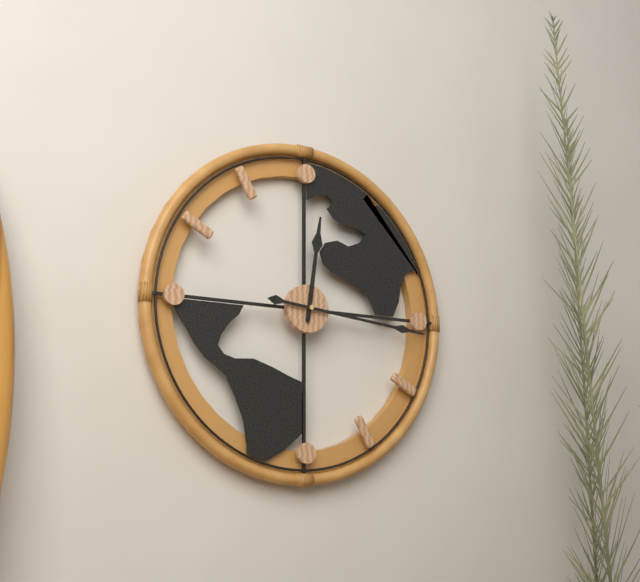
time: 12:16
